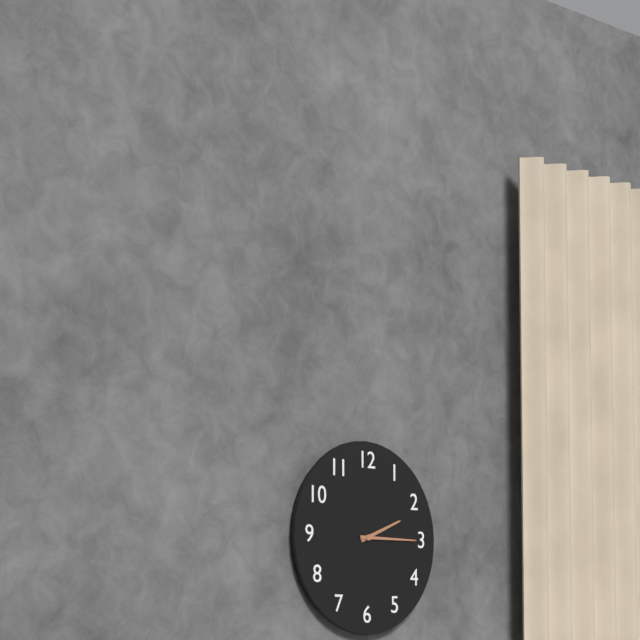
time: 2:15
